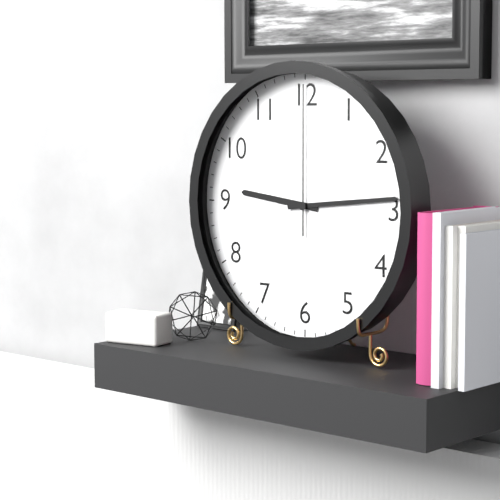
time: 9:14:00
